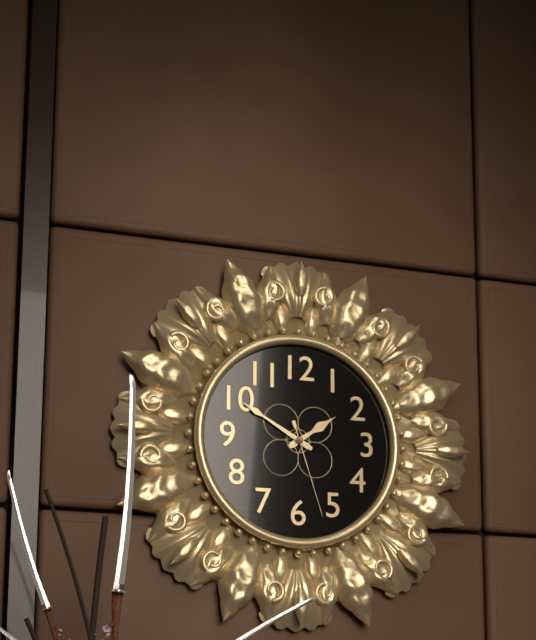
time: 1:50:27
